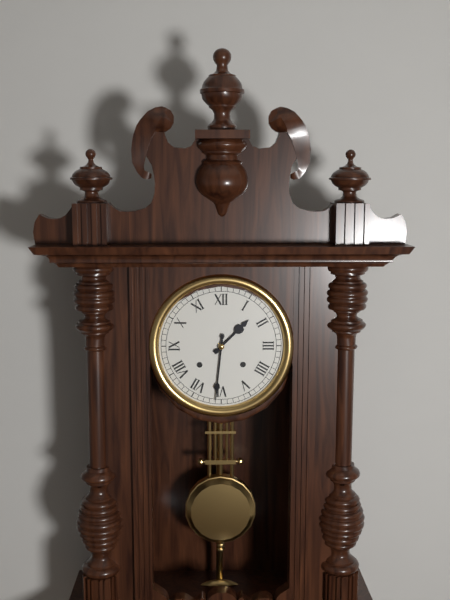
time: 1:31
